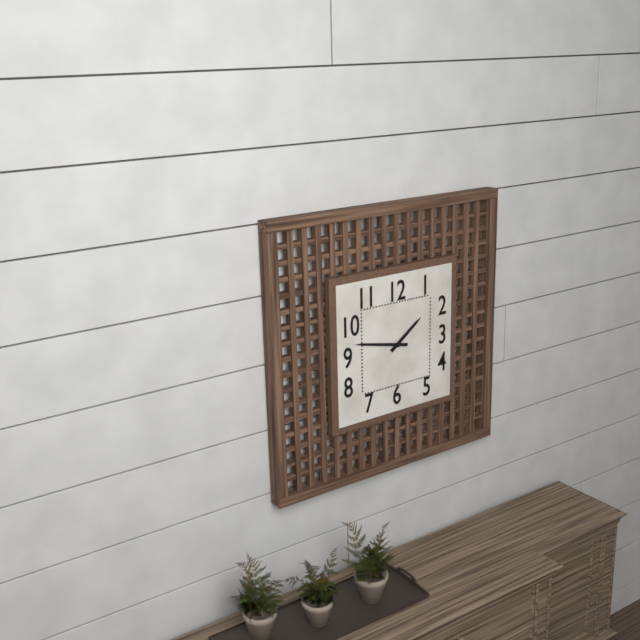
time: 1:47
